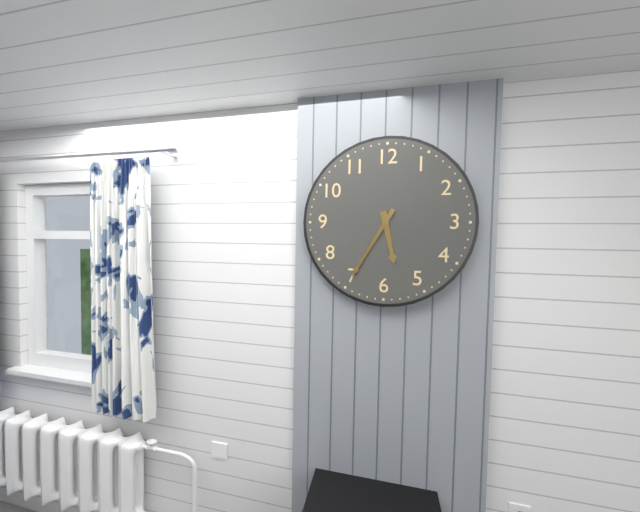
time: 5:35
